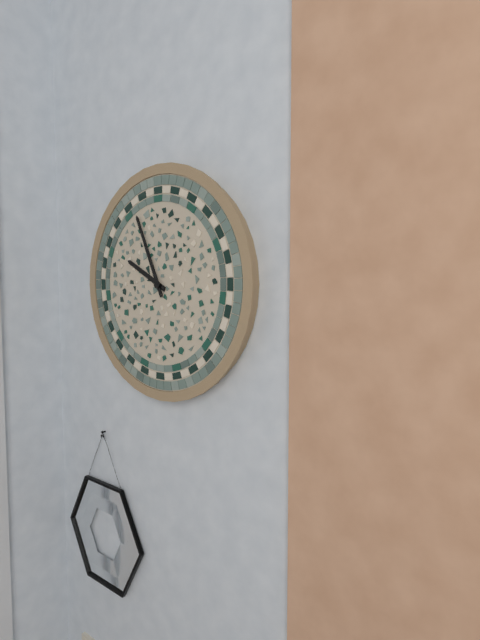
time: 9:56
